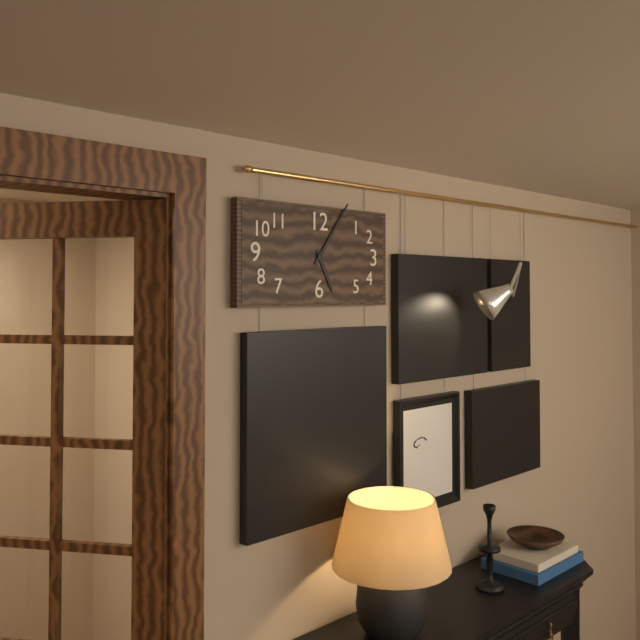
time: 5:06
